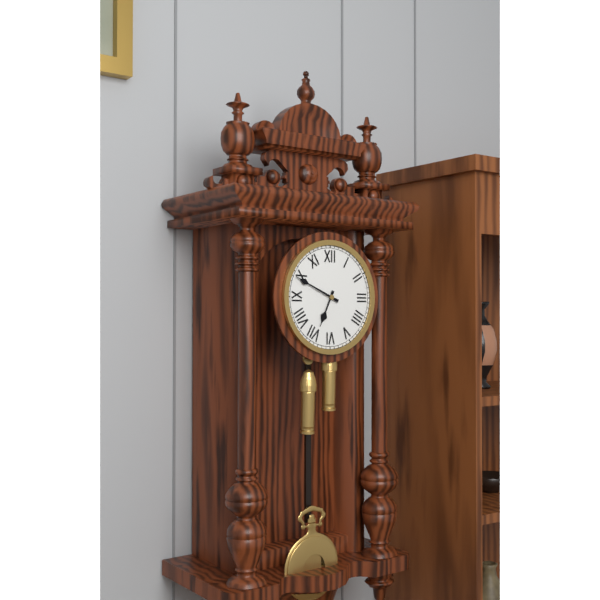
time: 6:49
